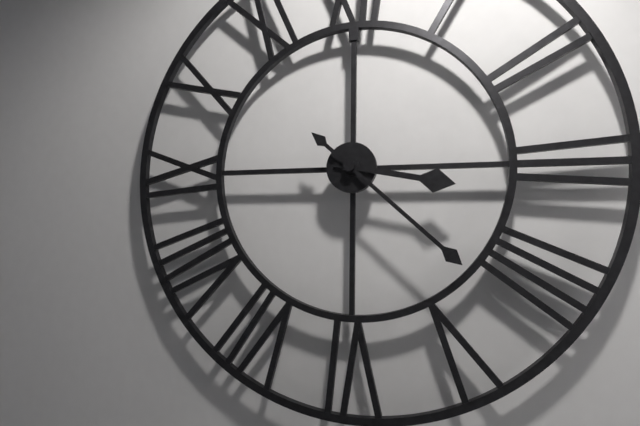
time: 3:22
